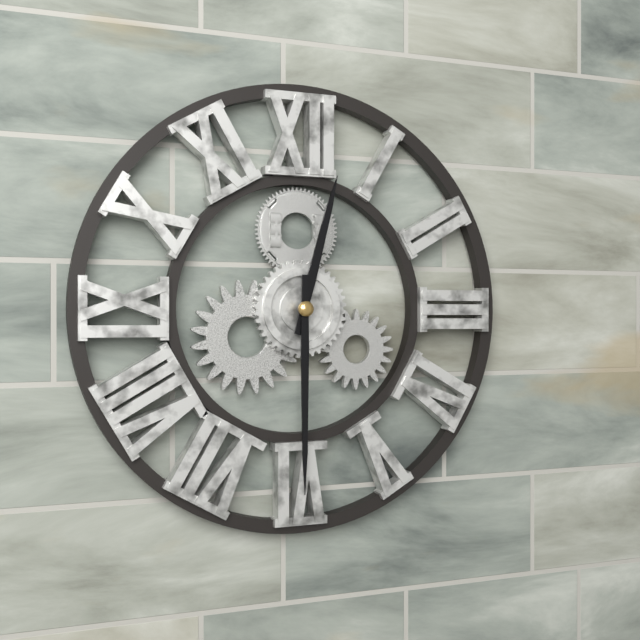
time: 12:30
